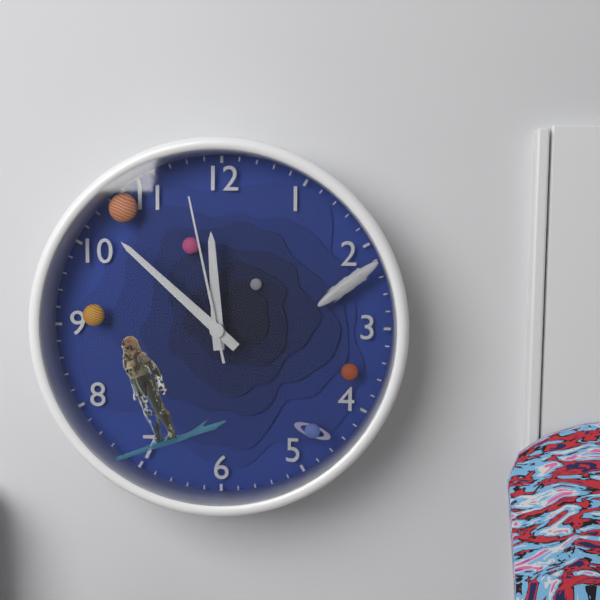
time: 11:52:58
